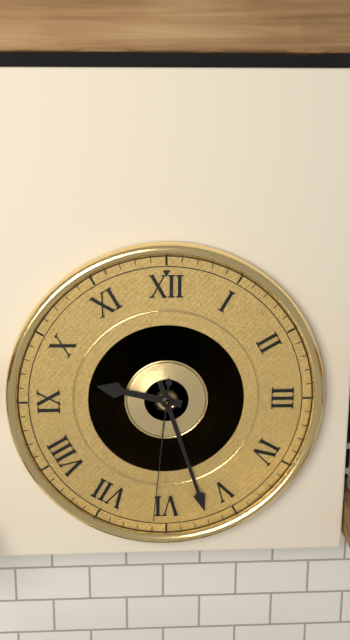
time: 9:27:31
